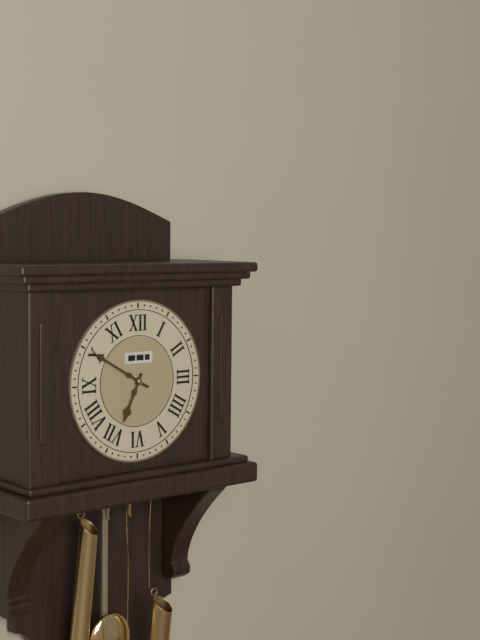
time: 6:50
